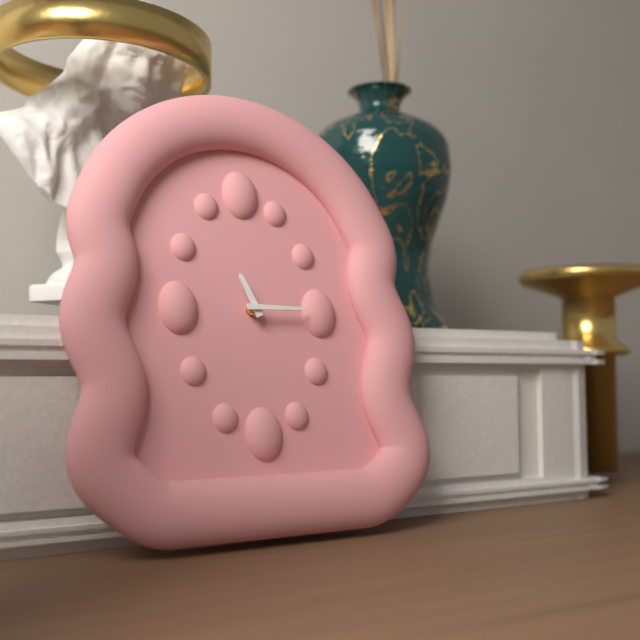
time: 11:15
